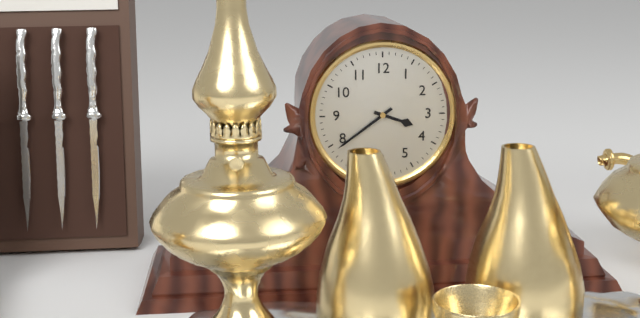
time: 3:39
